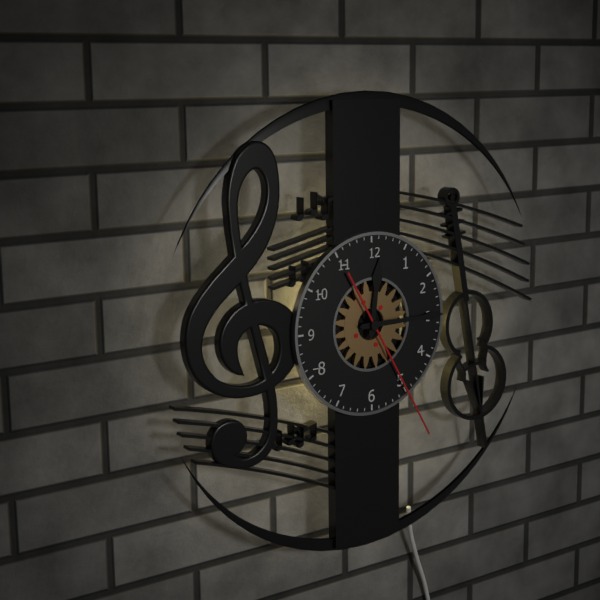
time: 12:15:25
